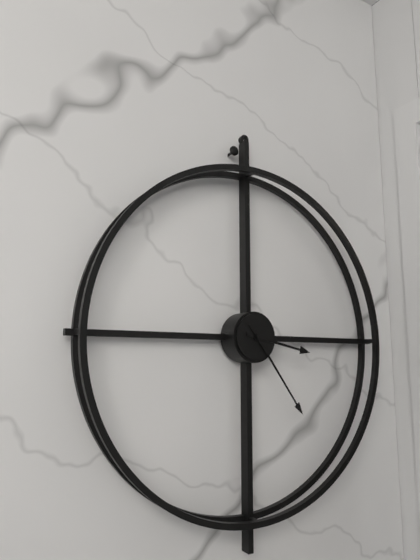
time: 3:24
